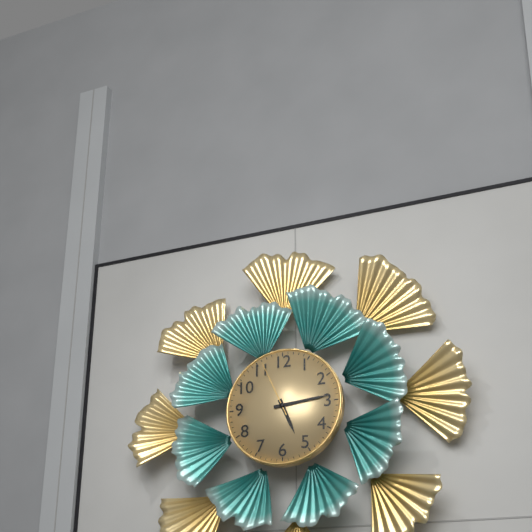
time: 5:14:56
